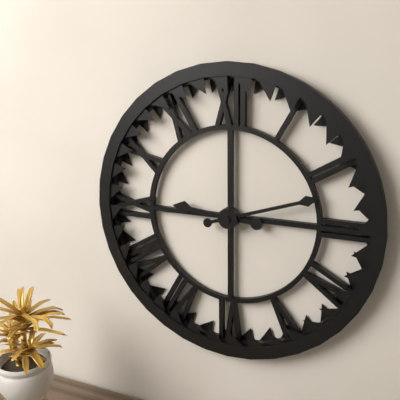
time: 9:12
